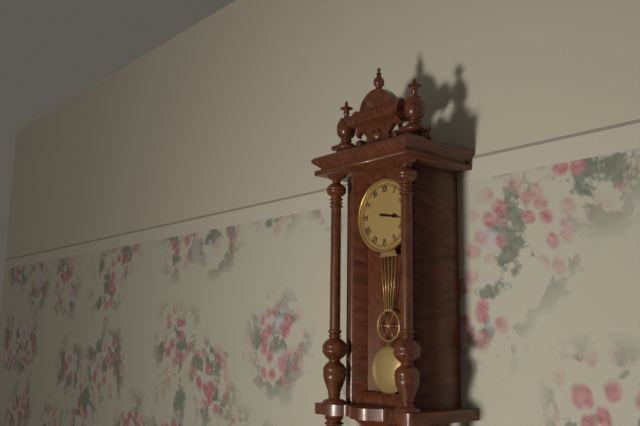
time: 3:17
